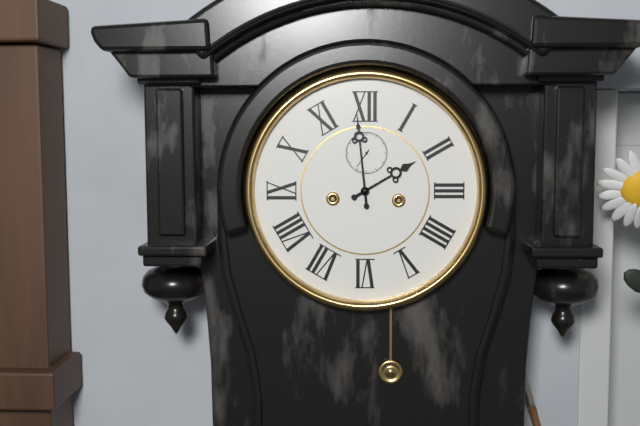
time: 1:59
